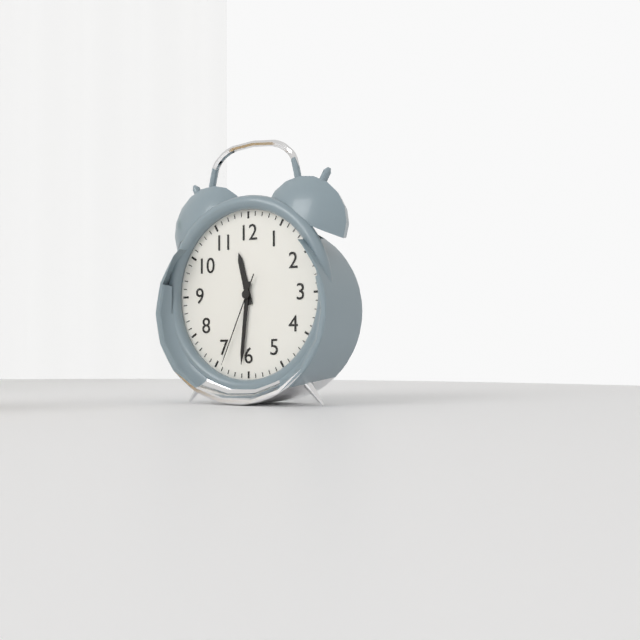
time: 11:31:34
